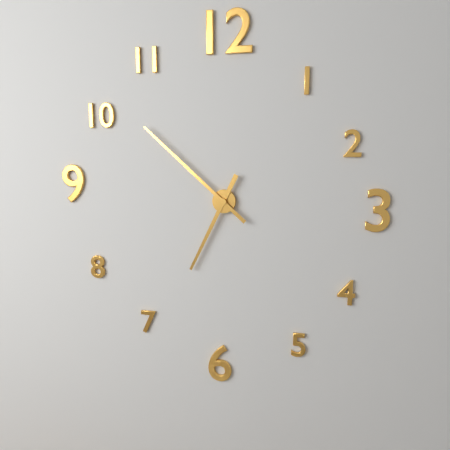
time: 6:52
